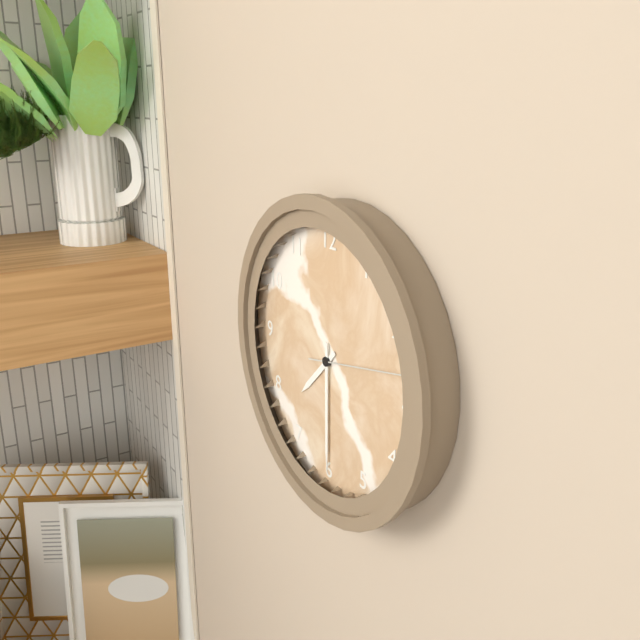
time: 7:30:13
